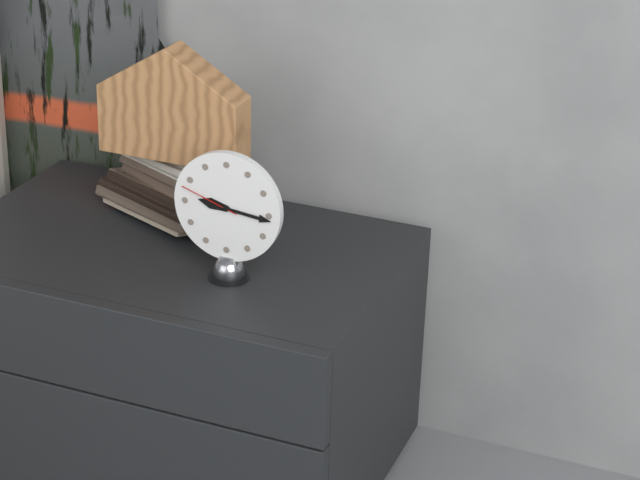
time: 9:16:48
